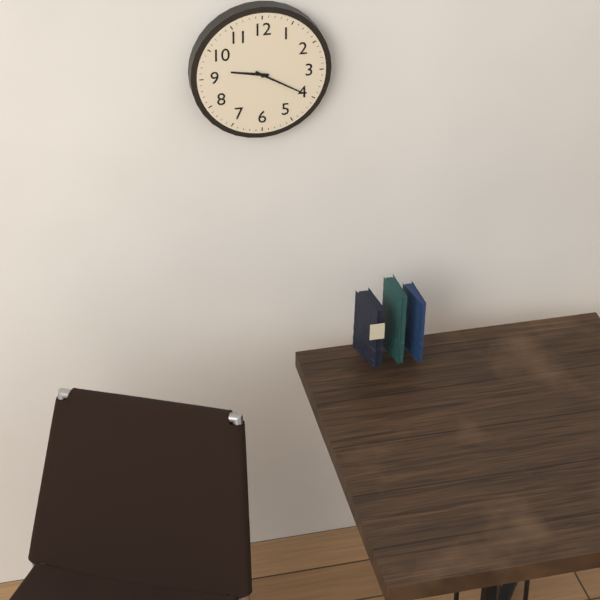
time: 9:20
